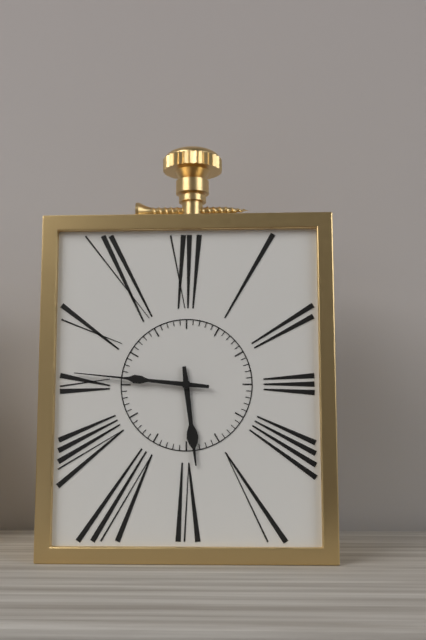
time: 5:46
